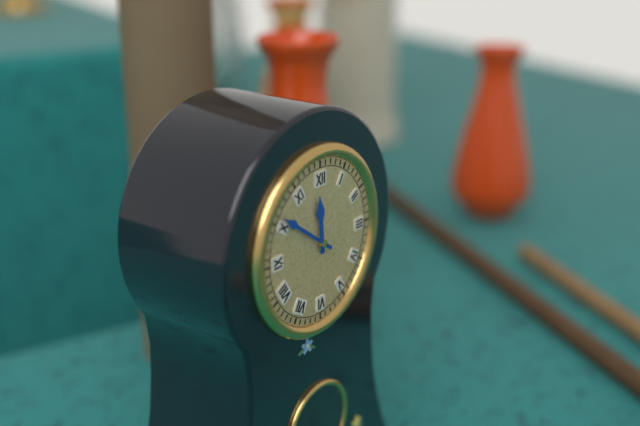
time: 11:51
